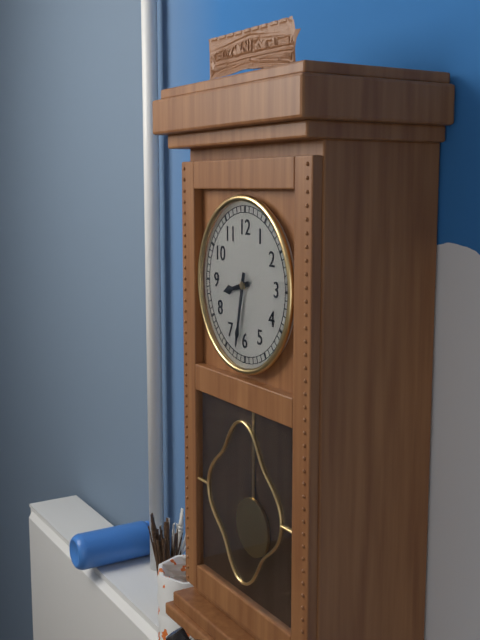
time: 8:32
